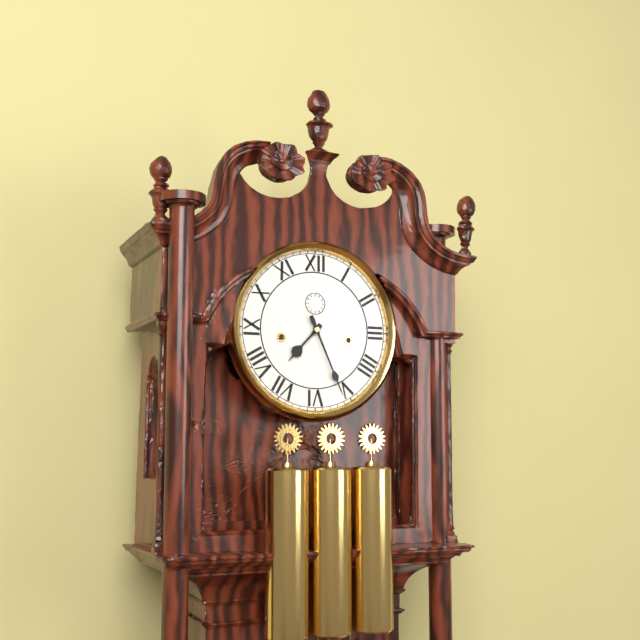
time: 7:26
